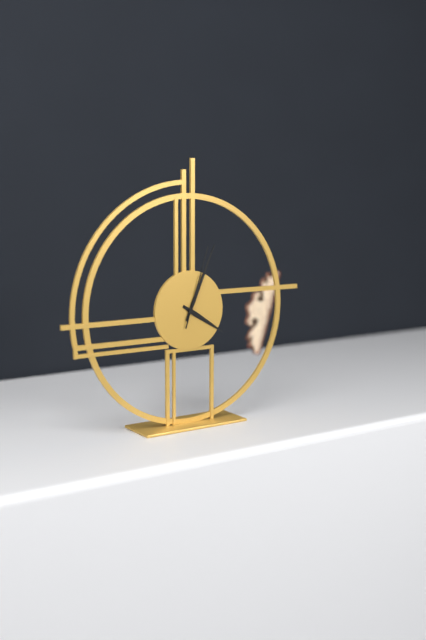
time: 4:04:03
